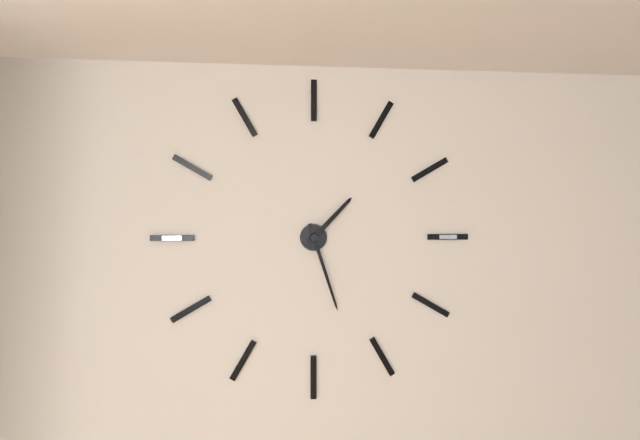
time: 1:27
